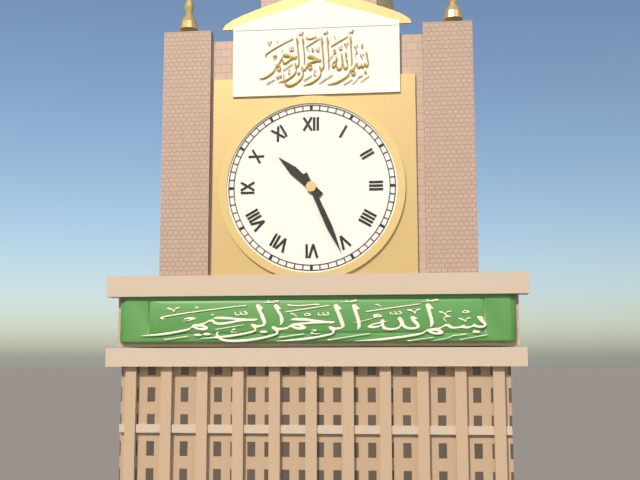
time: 10:26
